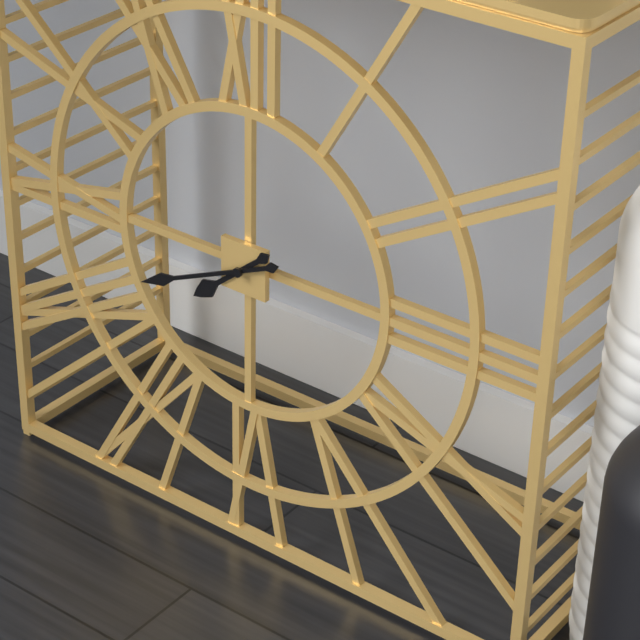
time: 7:41
